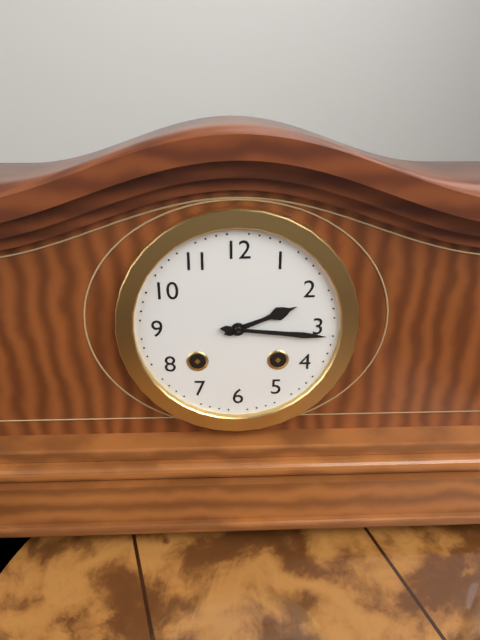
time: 2:16
